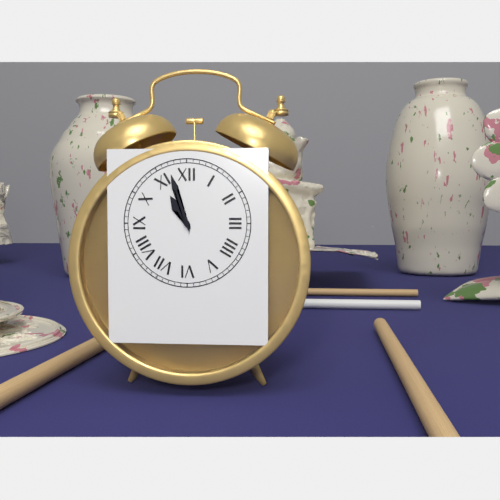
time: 10:57
